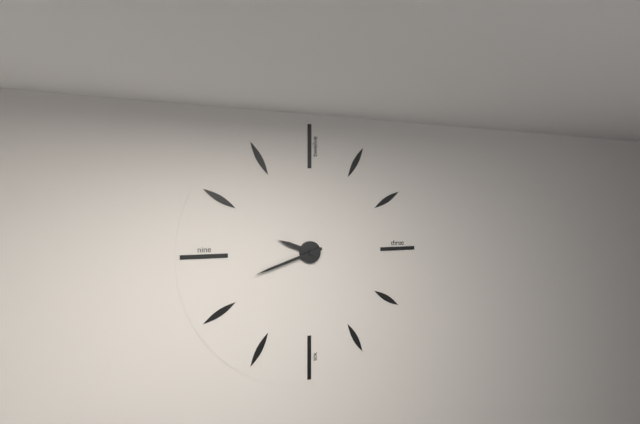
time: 9:42
